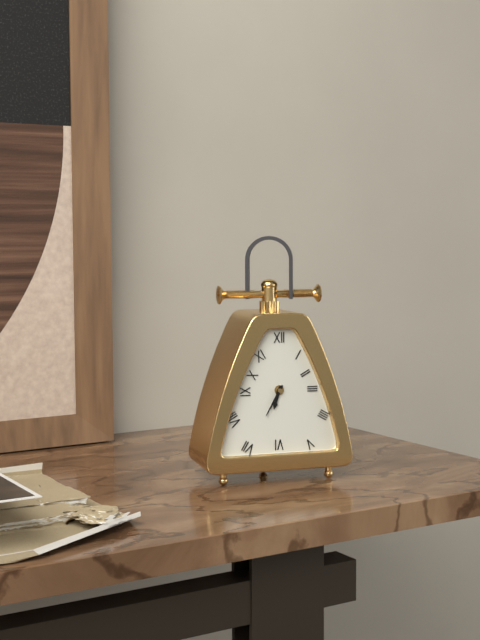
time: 6:35
